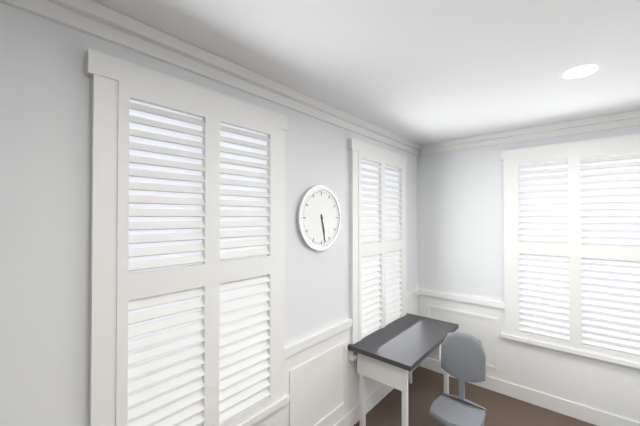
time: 5:28
